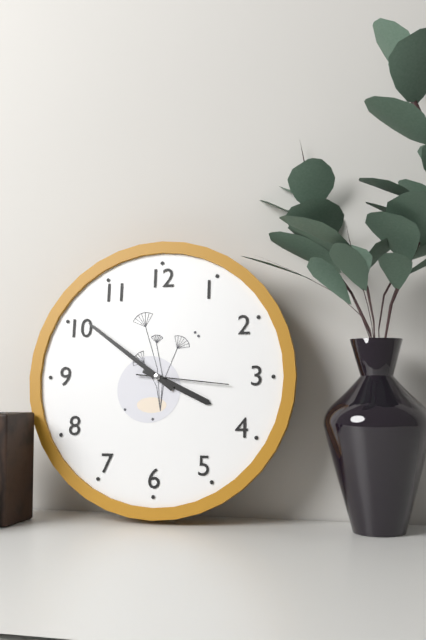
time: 3:51:16
